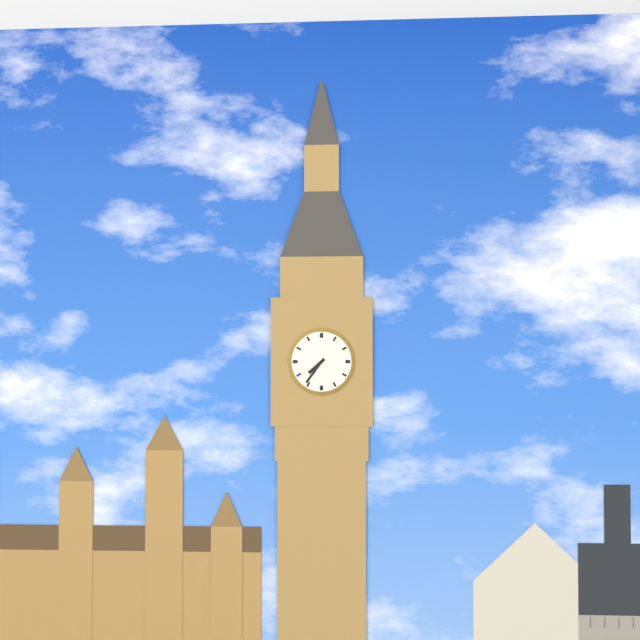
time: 7:36
